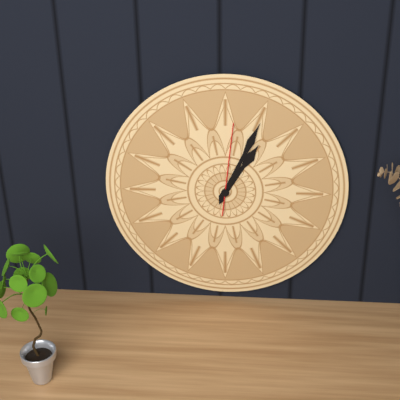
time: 1:04:01
